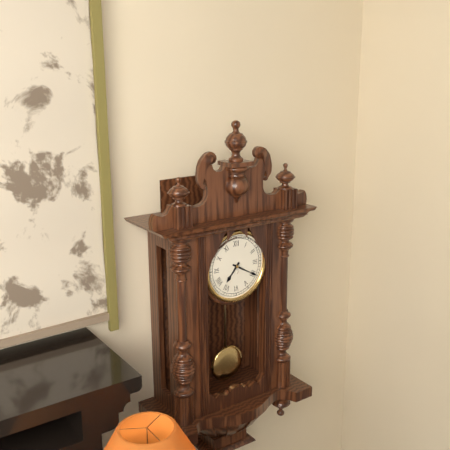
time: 7:20
